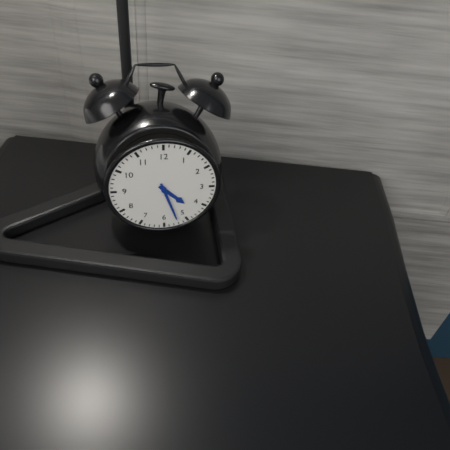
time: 4:27
